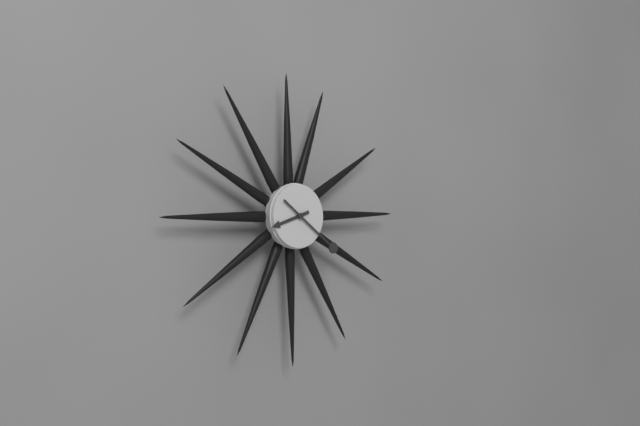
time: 8:21
